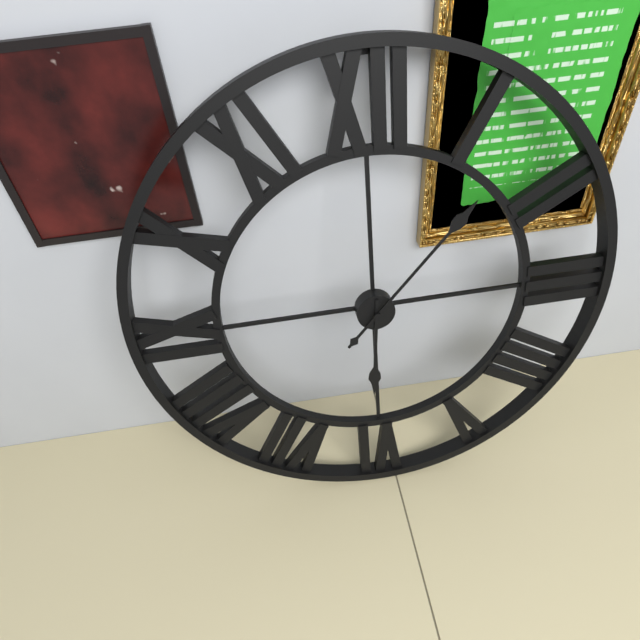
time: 6:07
